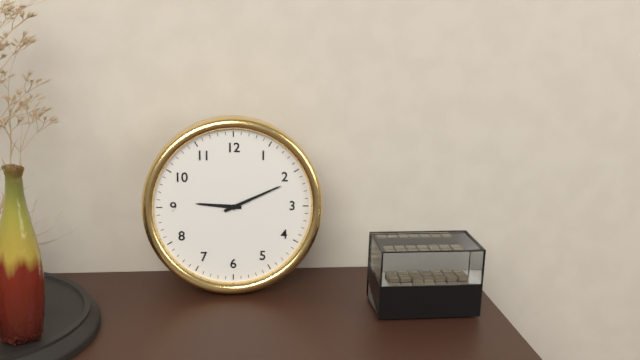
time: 9:11
